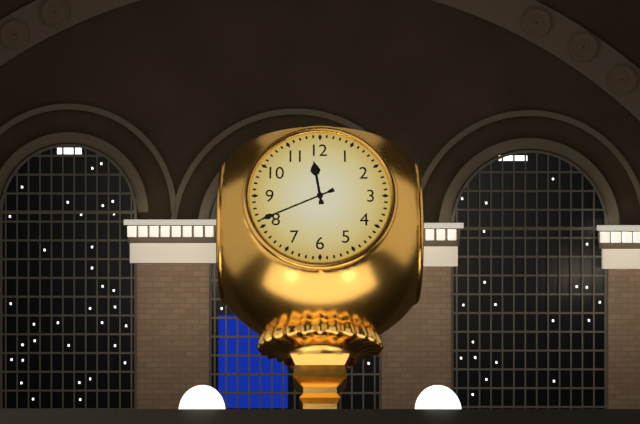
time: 11:41
